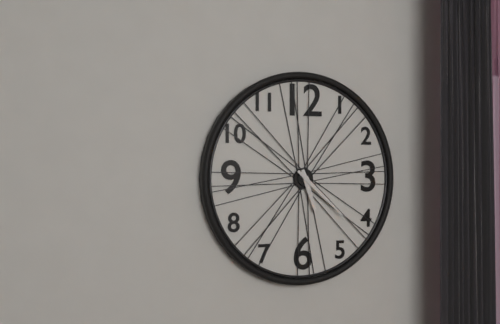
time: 5:22
